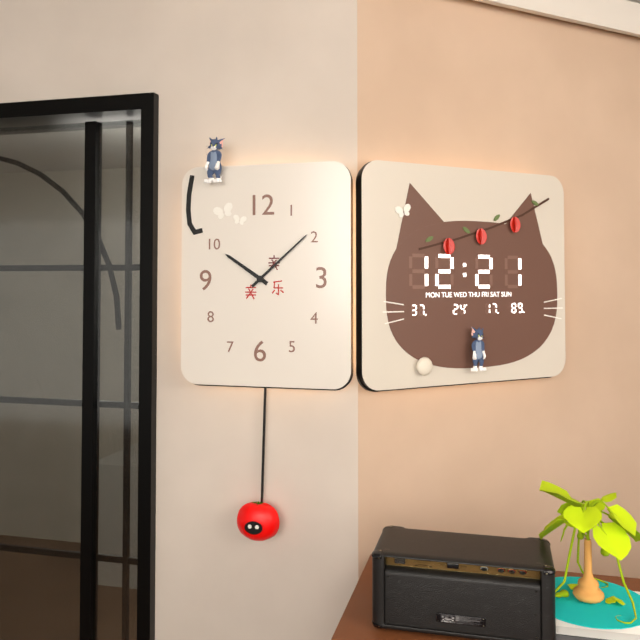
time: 10:08
